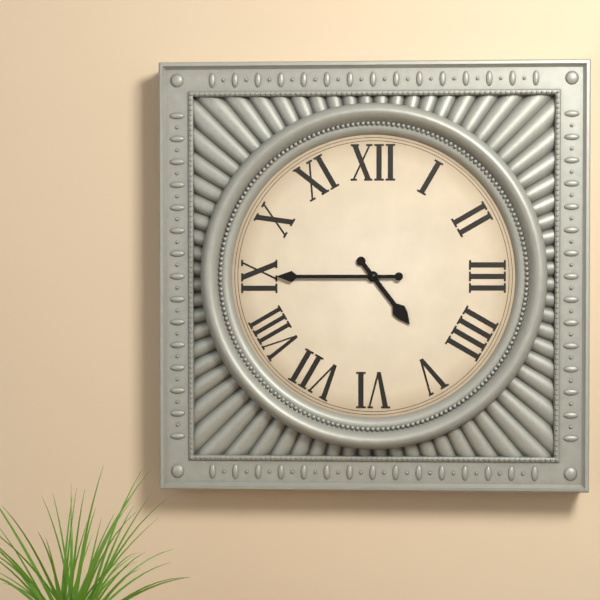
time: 4:45
